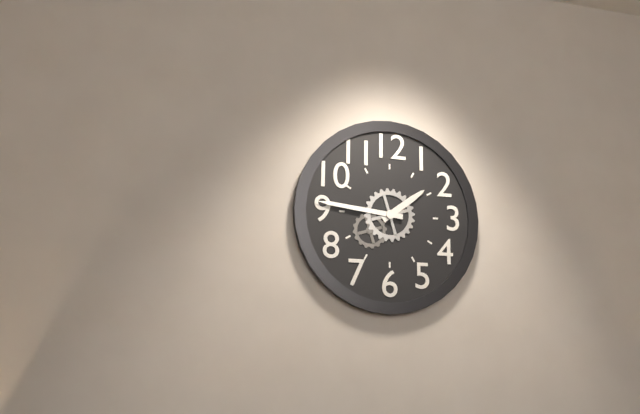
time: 1:46
